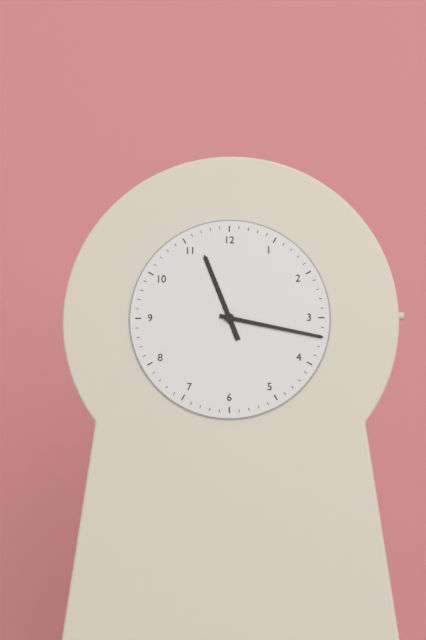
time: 11:17
